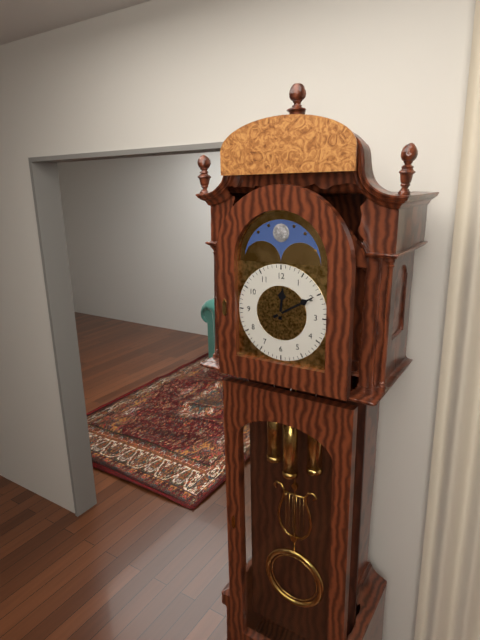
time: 12:10
